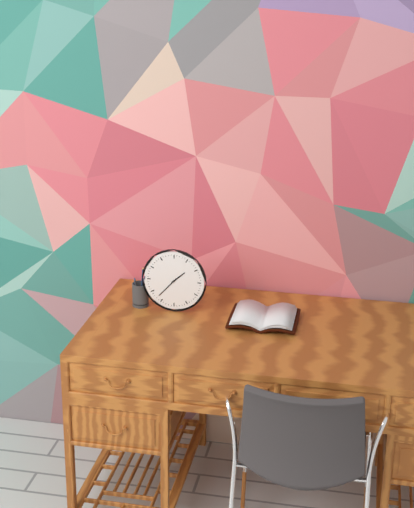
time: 1:37
